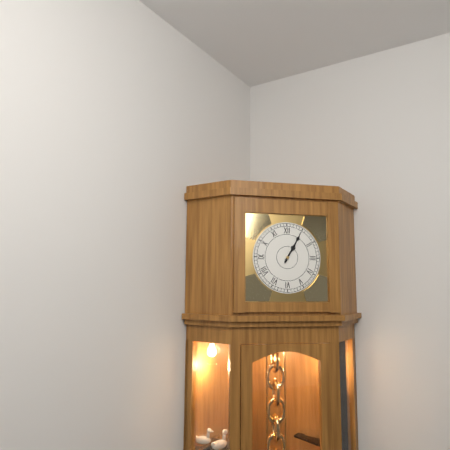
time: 1:05
